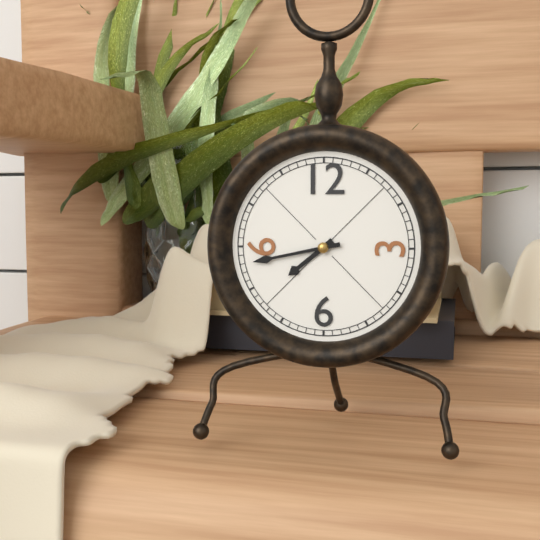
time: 7:43
